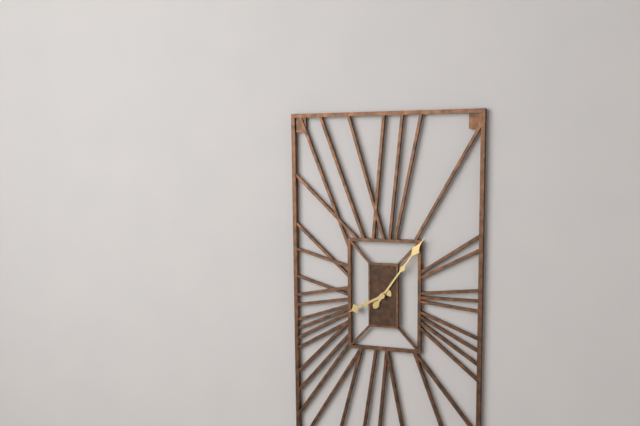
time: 8:06
